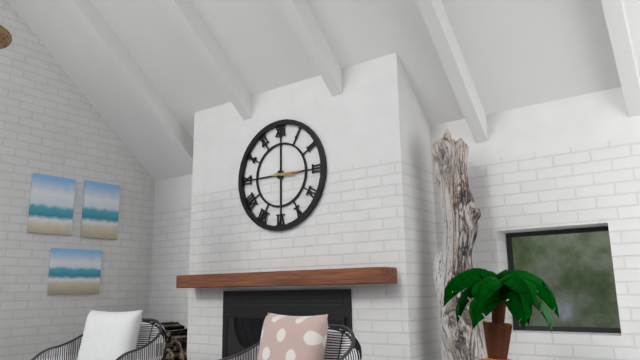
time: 3:15
